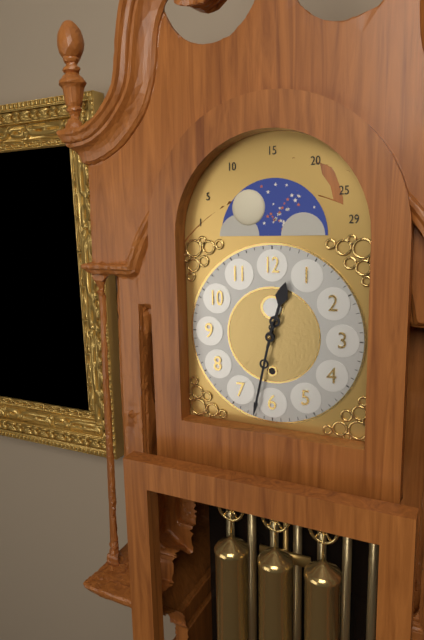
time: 12:32
